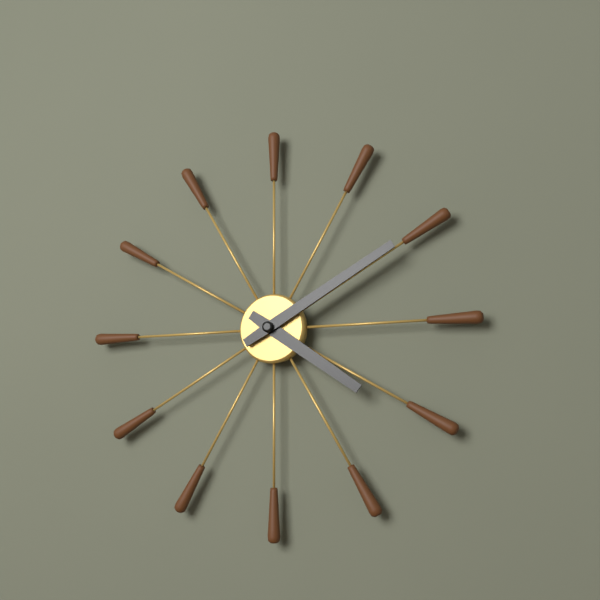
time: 4:10
